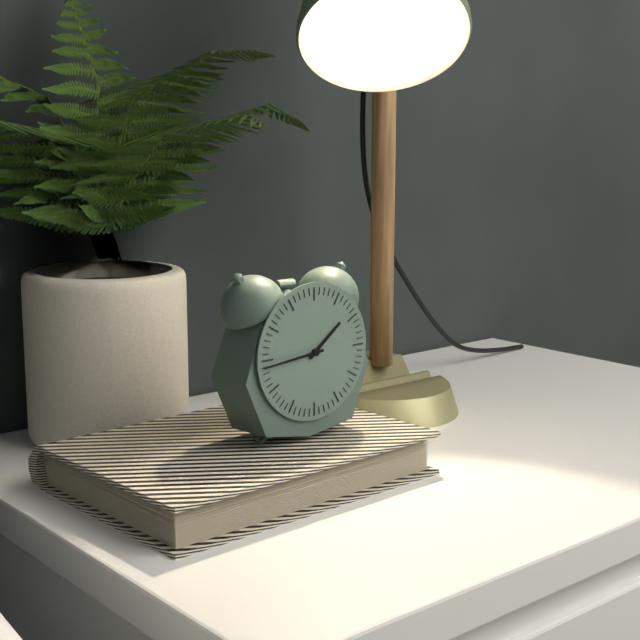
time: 1:44
